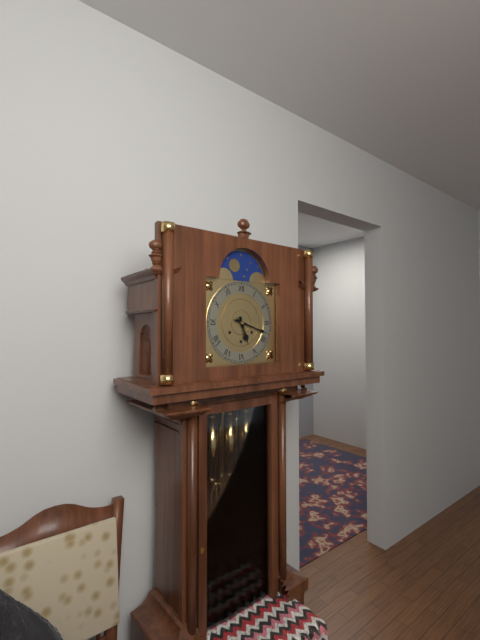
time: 5:18
